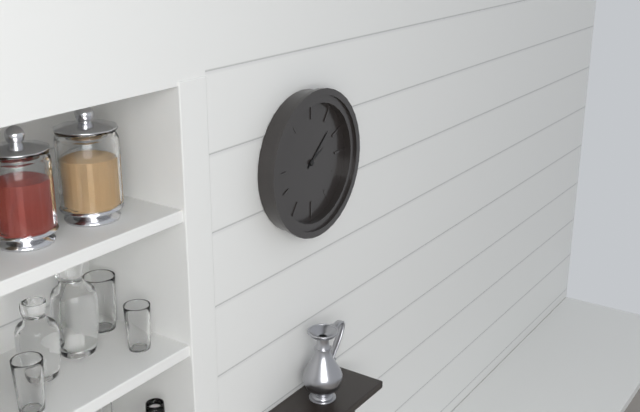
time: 2:08
